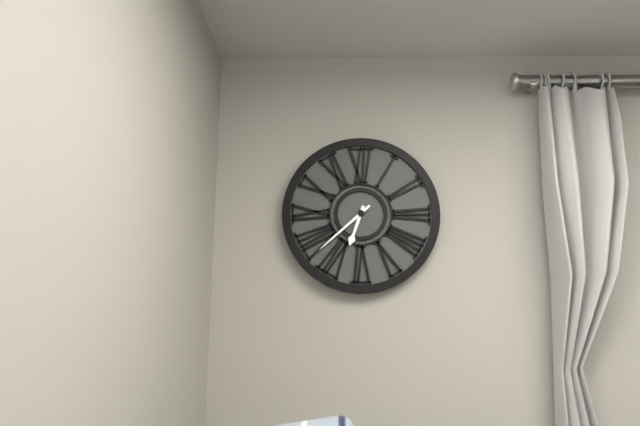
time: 6:38
